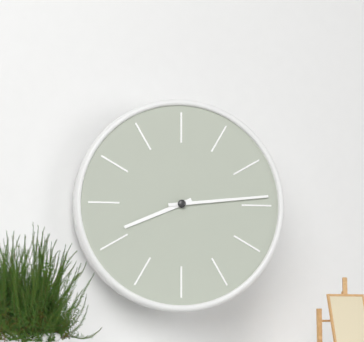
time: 8:14
